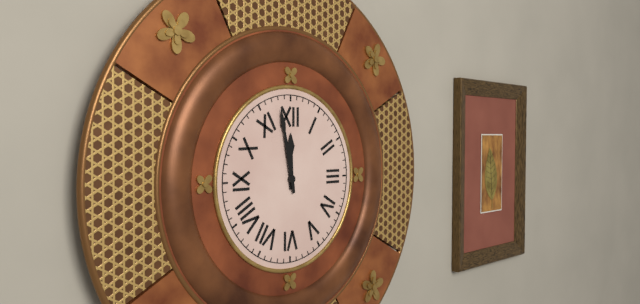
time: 11:58
